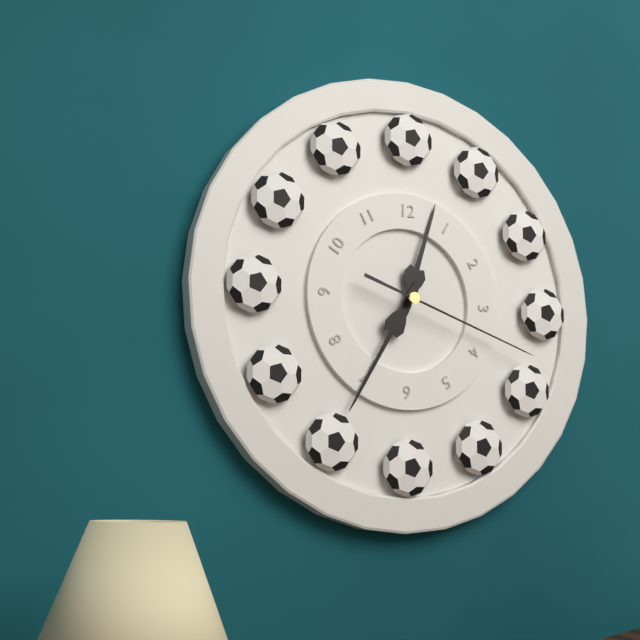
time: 12:35:18
